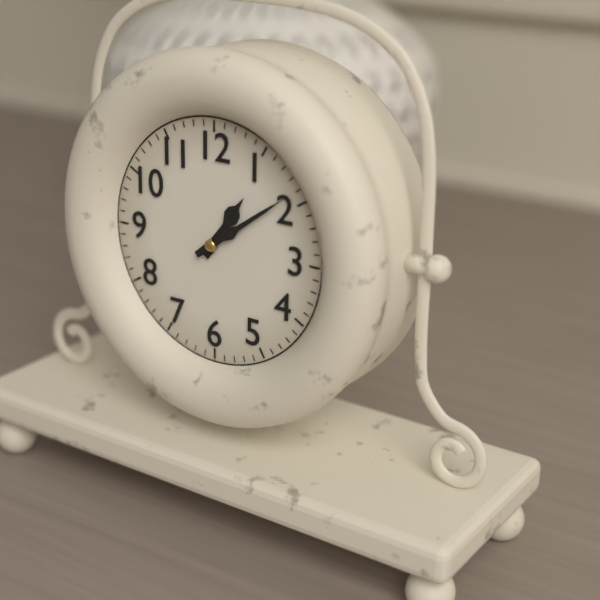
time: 1:09
